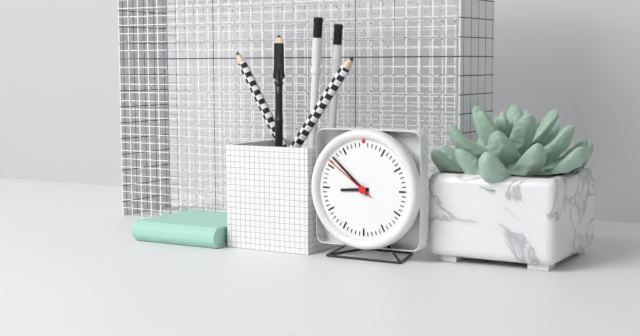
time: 8:52:51
